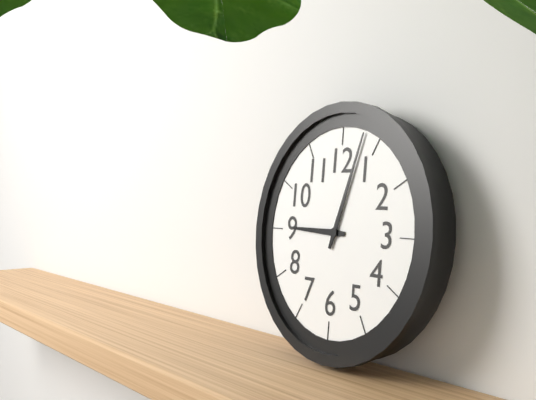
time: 9:03
